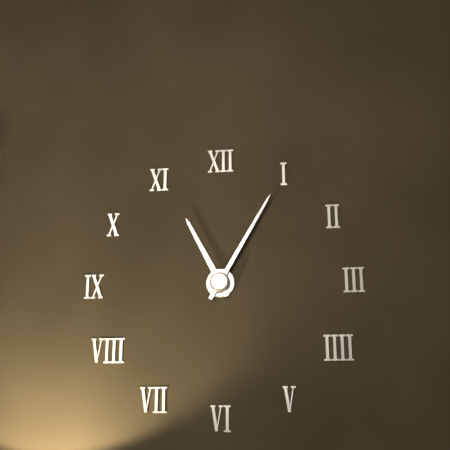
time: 11:05
